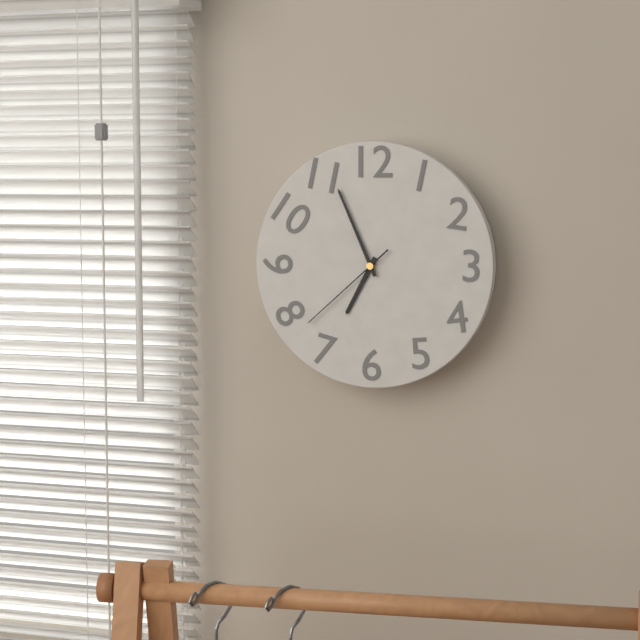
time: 6:56:38
